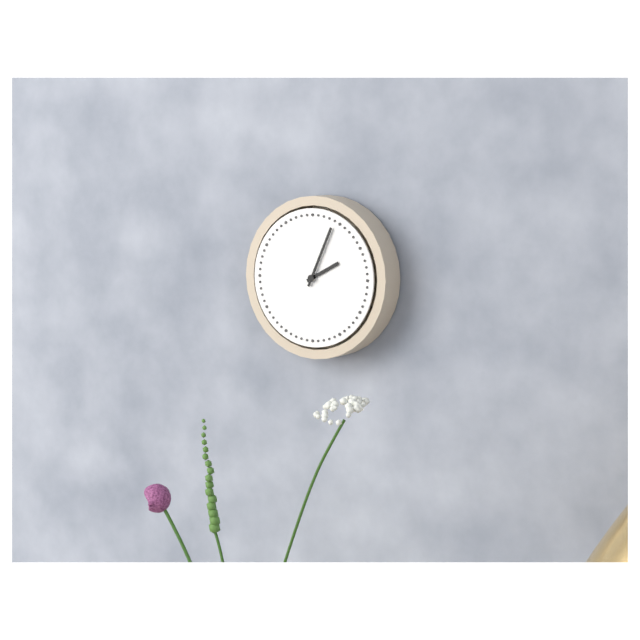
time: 2:04
